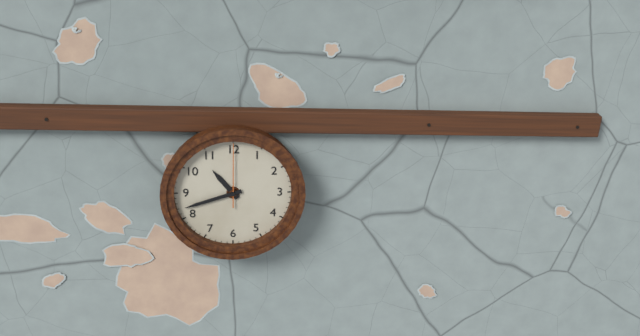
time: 10:42:00
